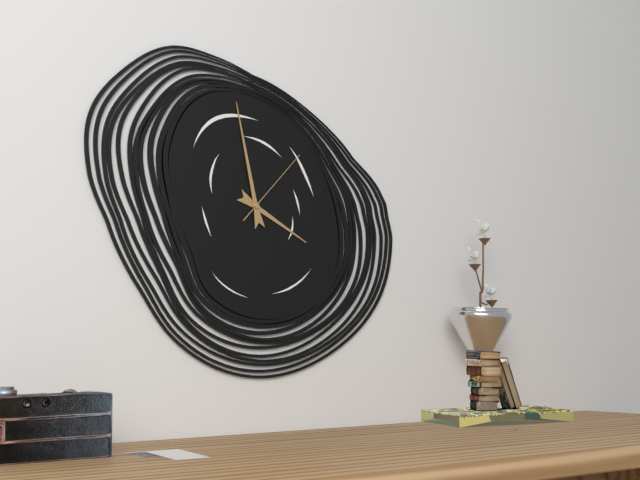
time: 3:58:07
